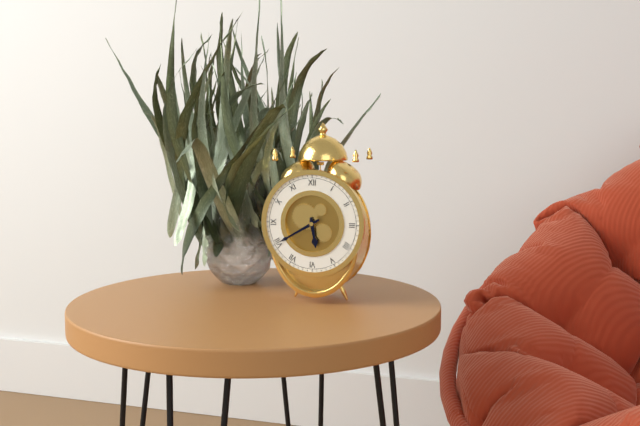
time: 5:40
